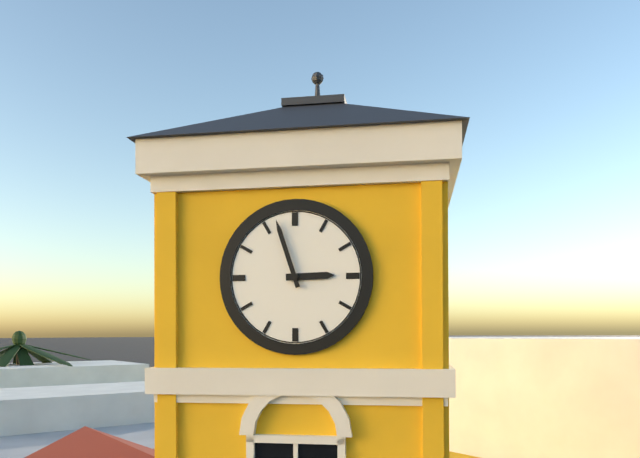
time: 2:57
